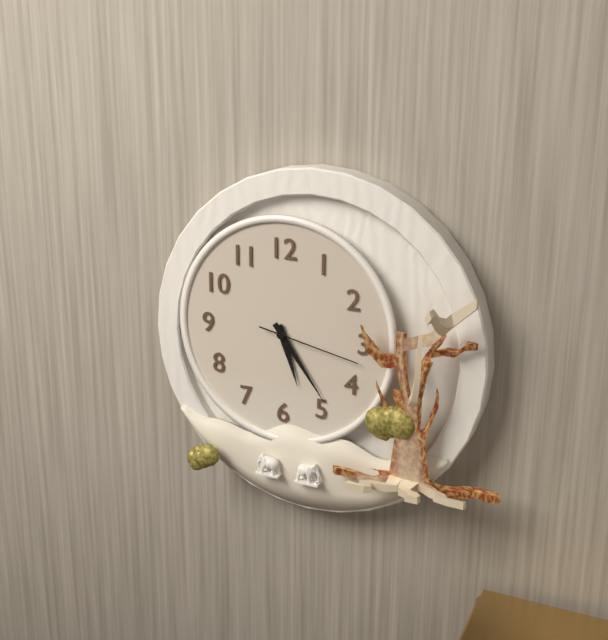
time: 5:24:17
